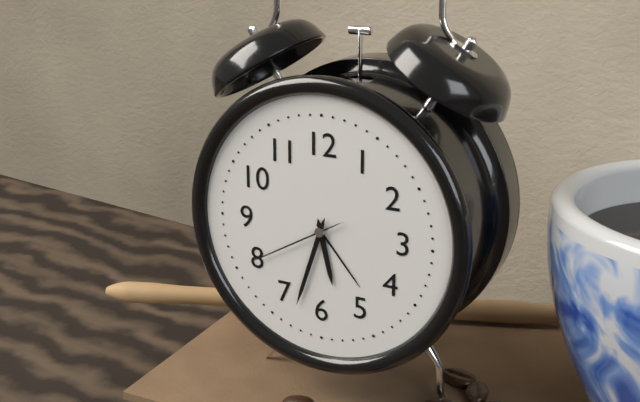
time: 5:33:40
